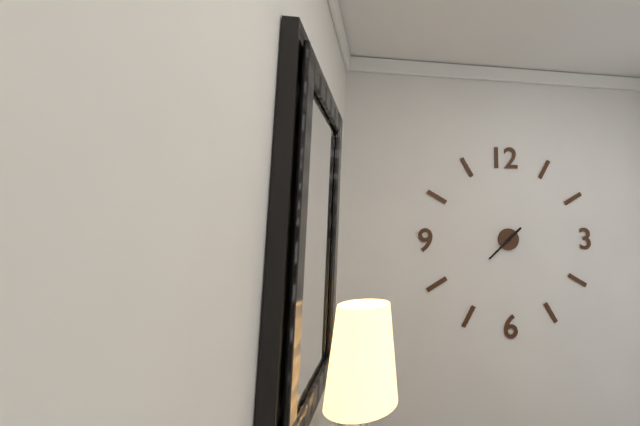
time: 1:38
